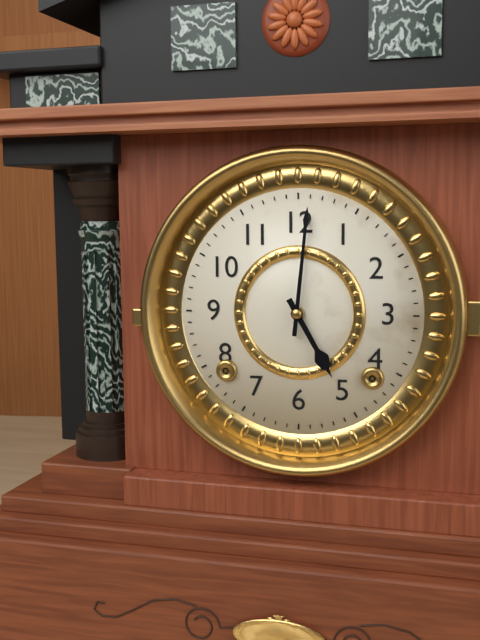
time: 5:01
